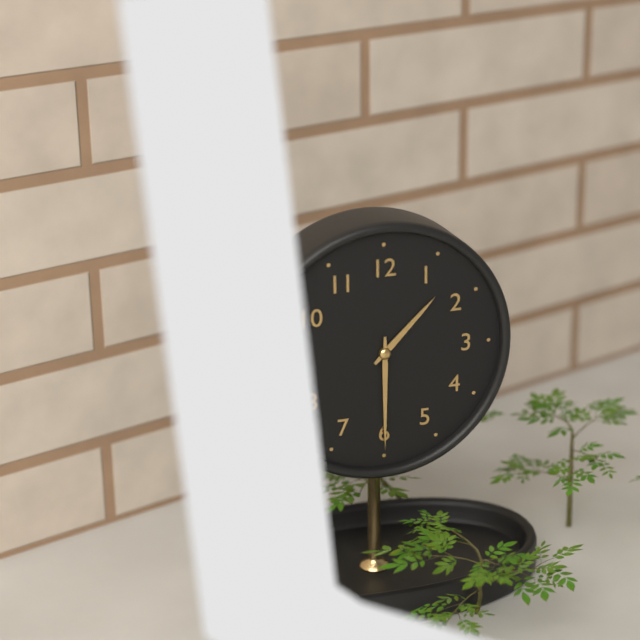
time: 1:30
